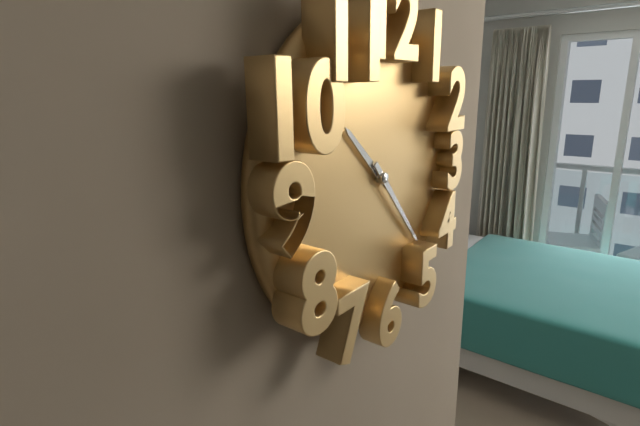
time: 10:23
